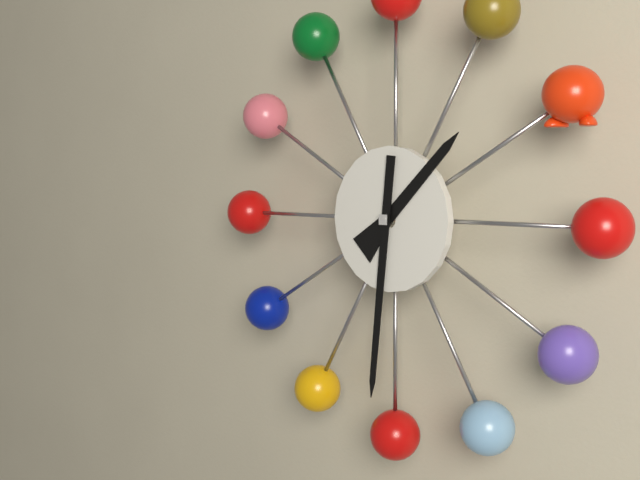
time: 1:31
